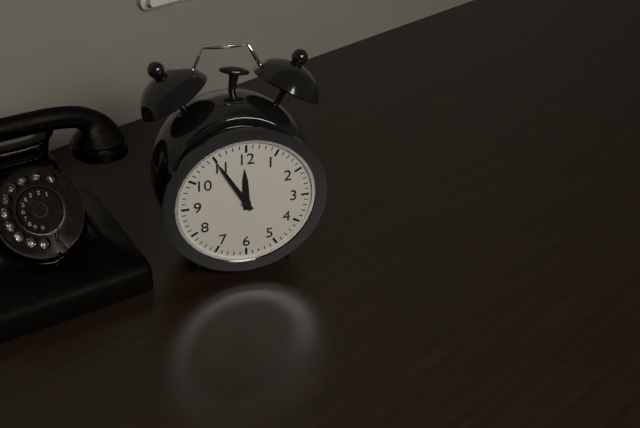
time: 11:55
